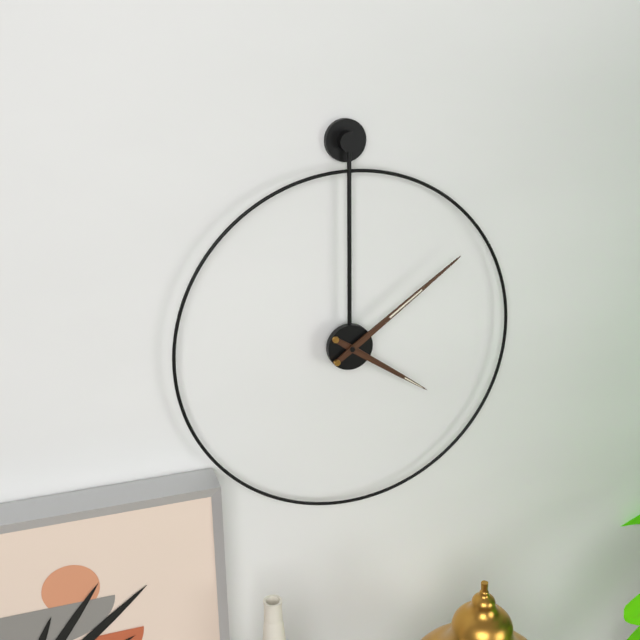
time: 4:09
